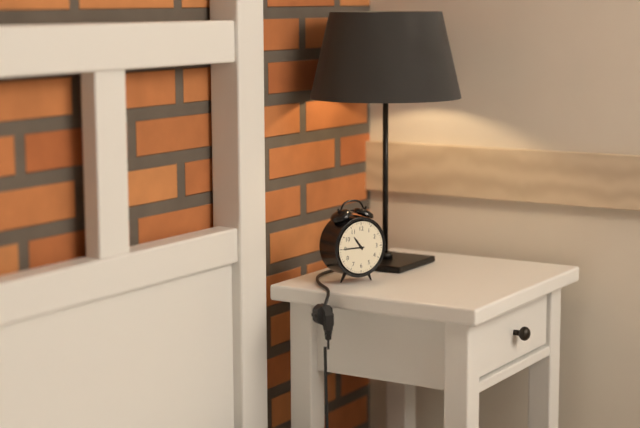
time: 10:45
